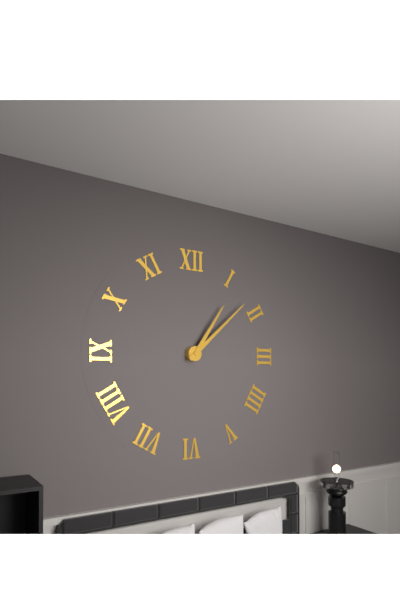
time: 1:08
